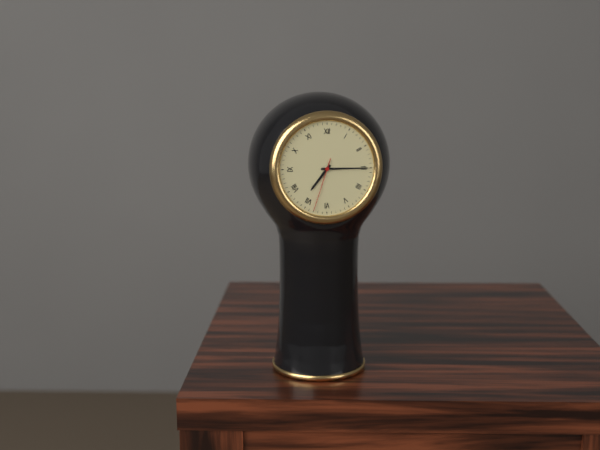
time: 7:15:33
